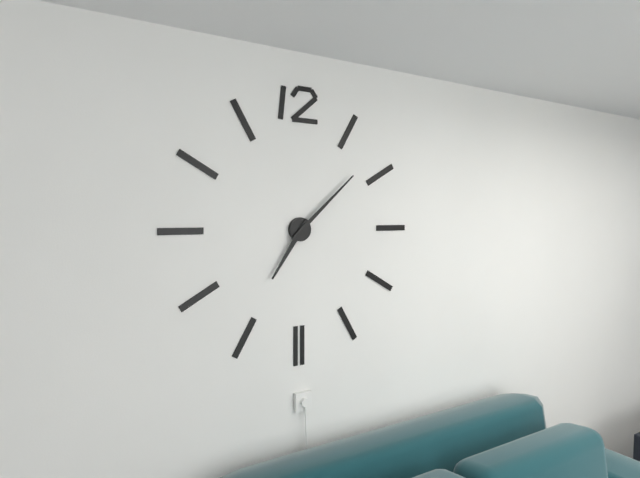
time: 7:08
